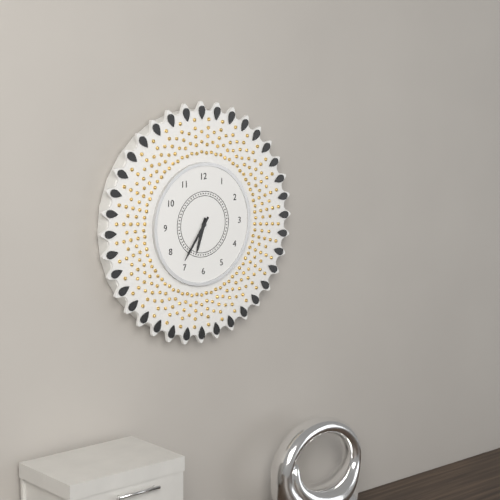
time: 6:36
